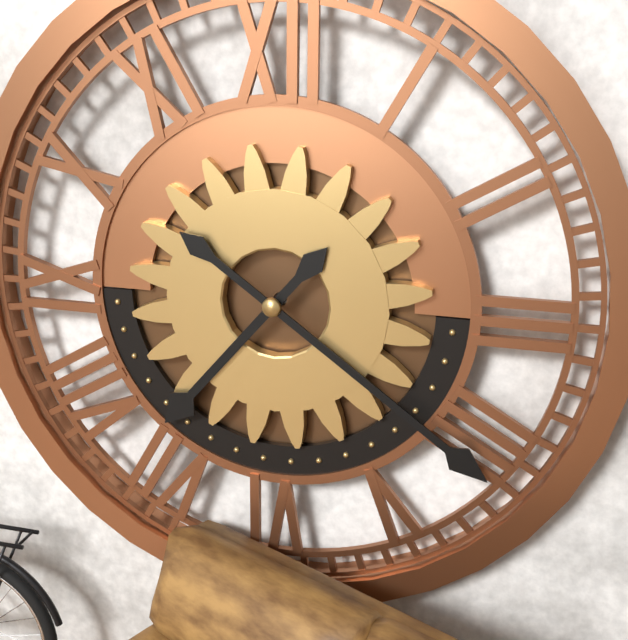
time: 7:21
